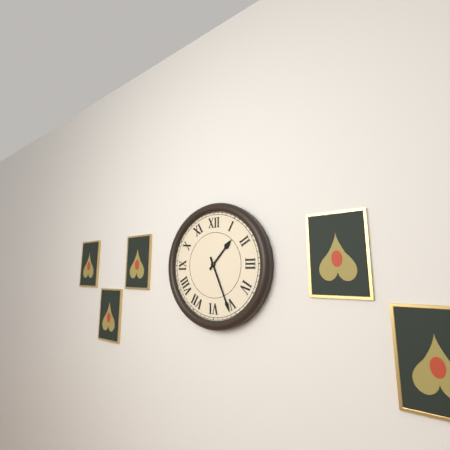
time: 1:26
